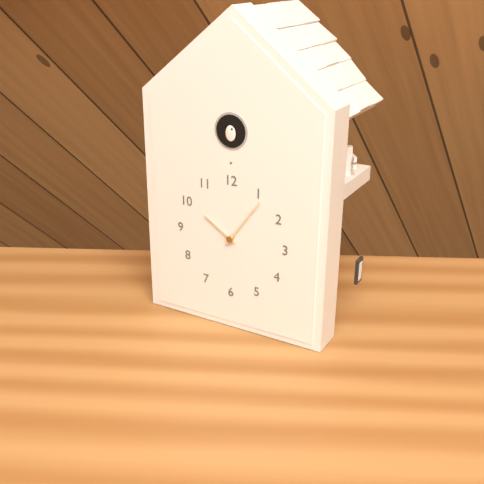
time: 10:06
